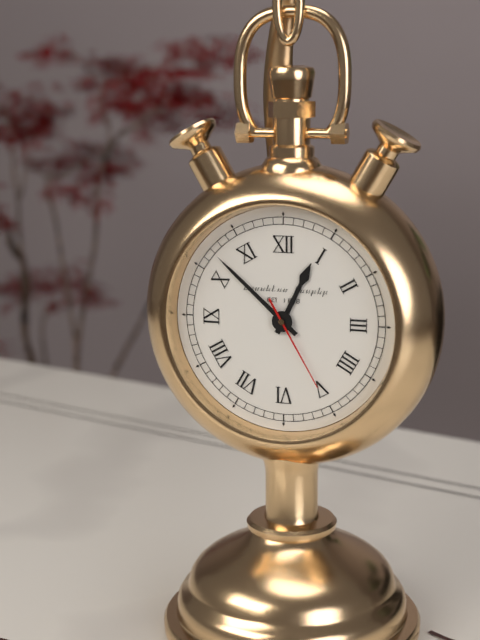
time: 12:52:25
